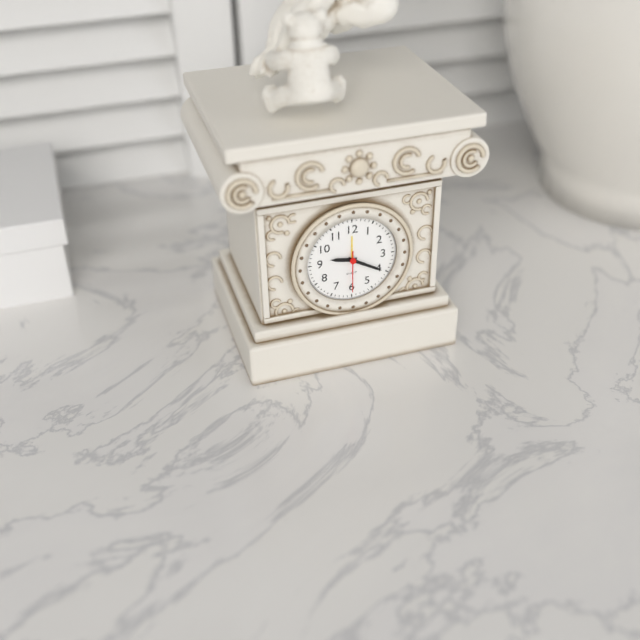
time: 9:20
